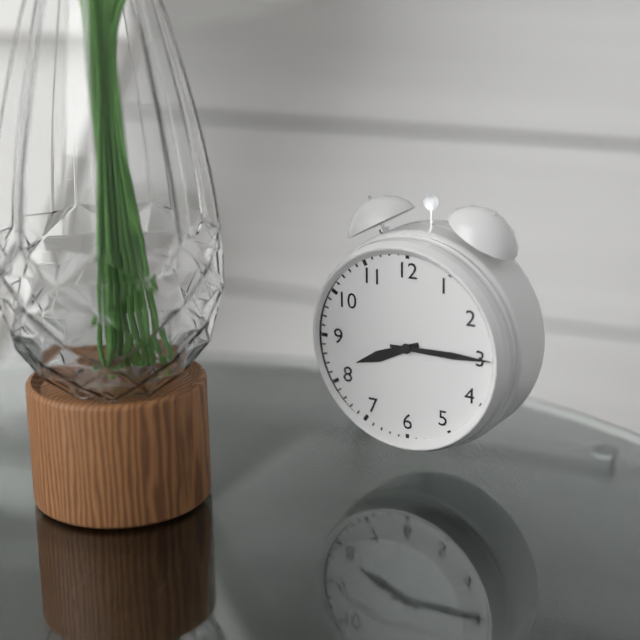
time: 8:15
